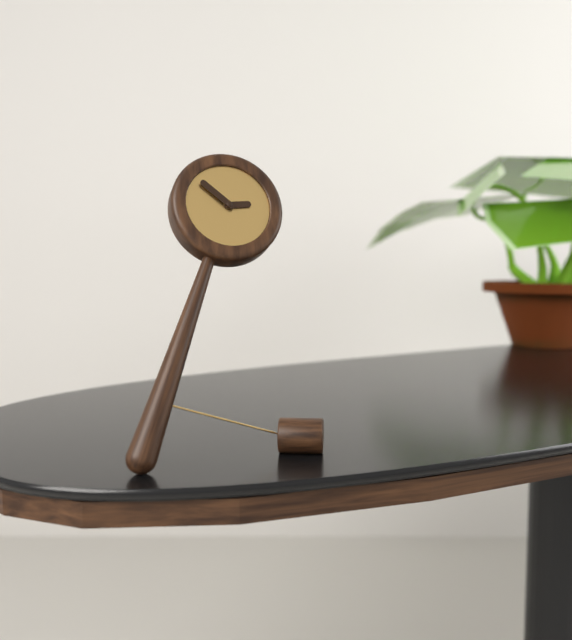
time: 2:52
